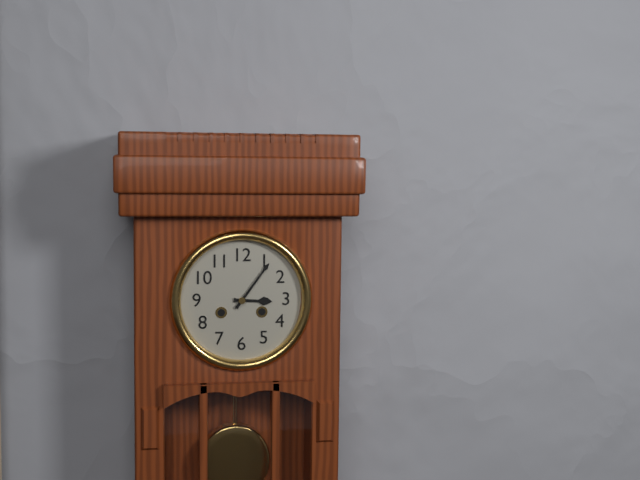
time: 3:06
